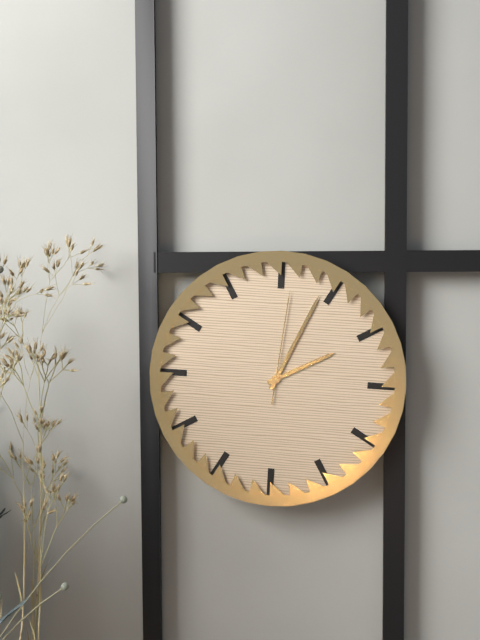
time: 2:04:01
